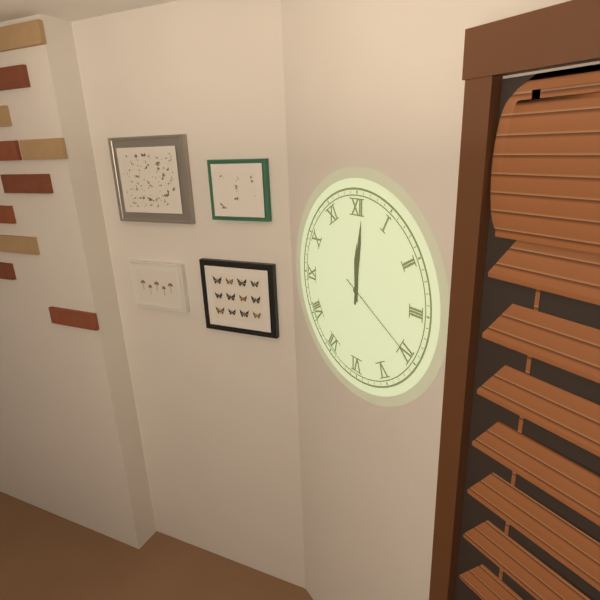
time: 12:01:20
